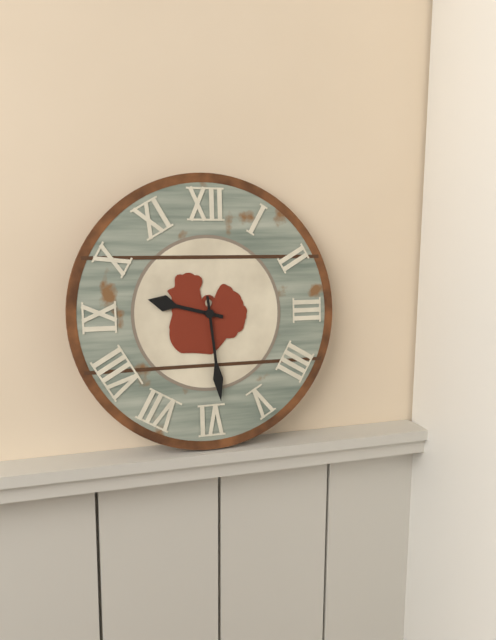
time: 9:29
